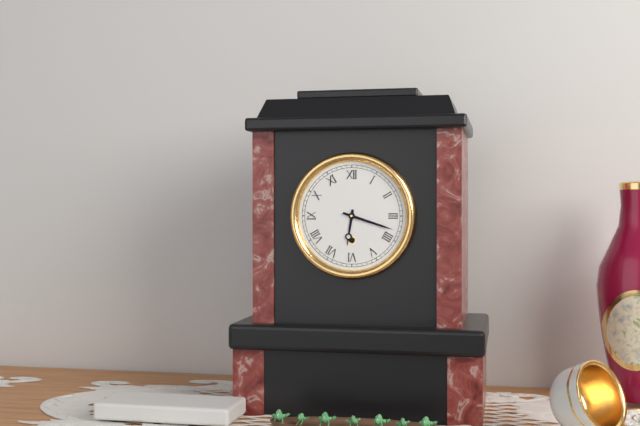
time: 6:18
